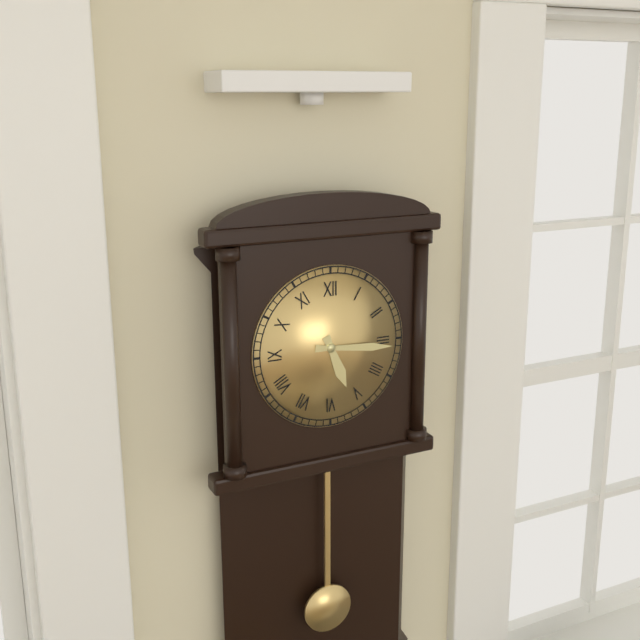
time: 5:16
